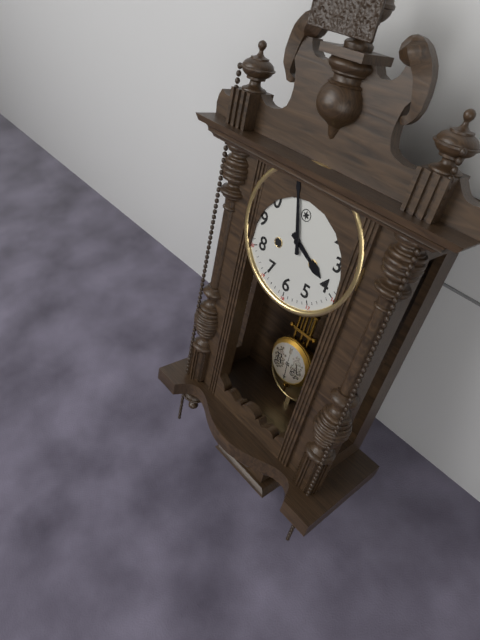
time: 3:57
